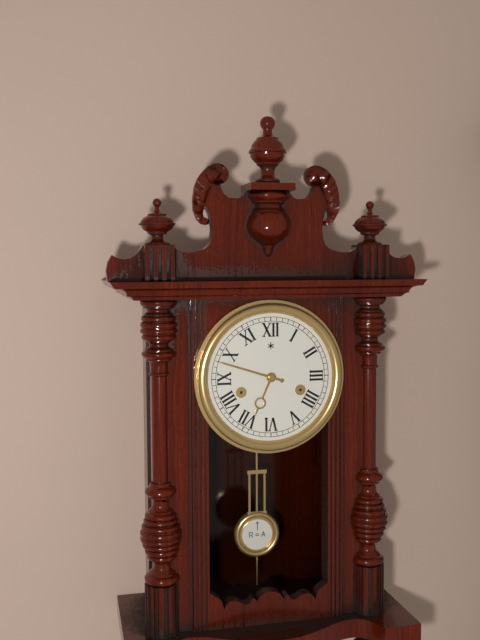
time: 6:48
